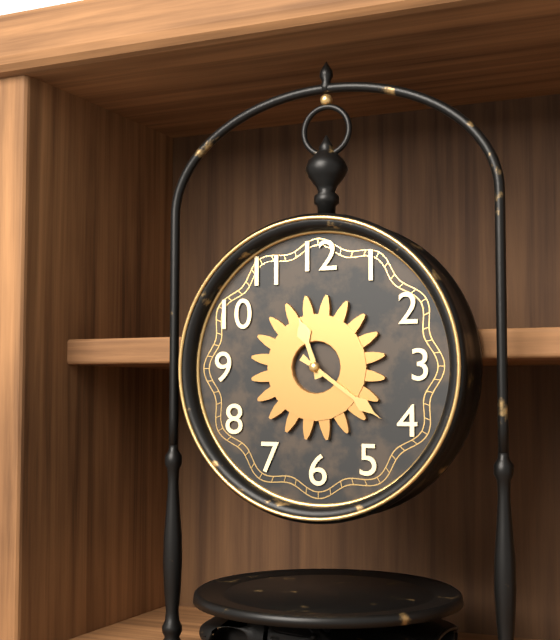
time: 11:21
